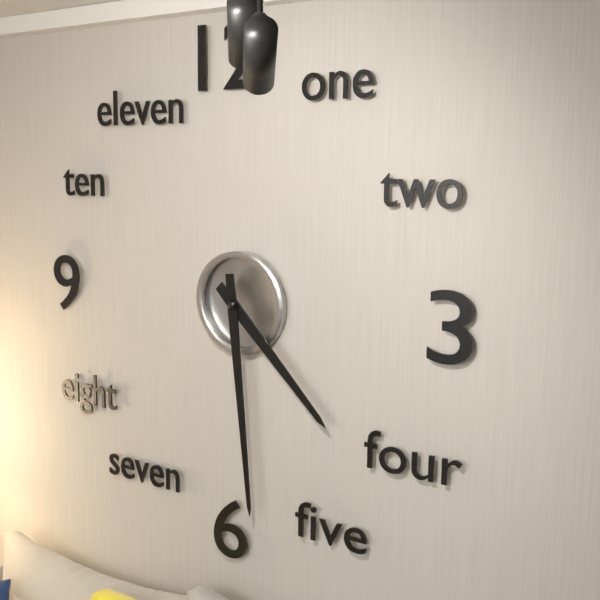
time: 4:29
